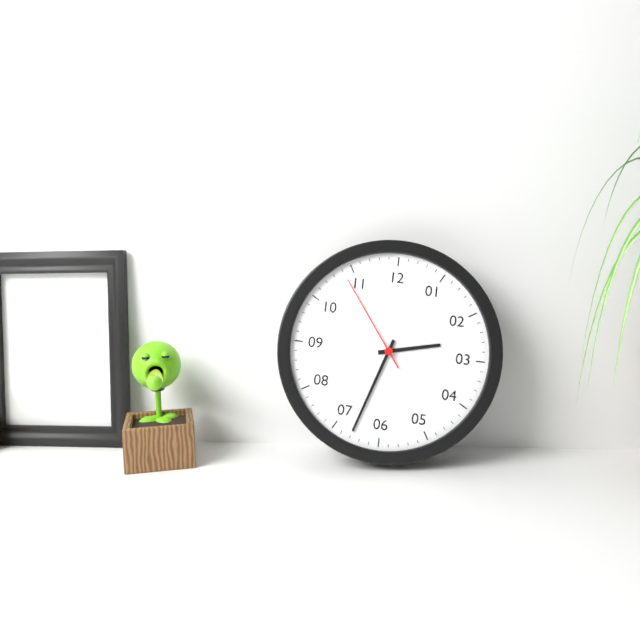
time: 2:33:54
